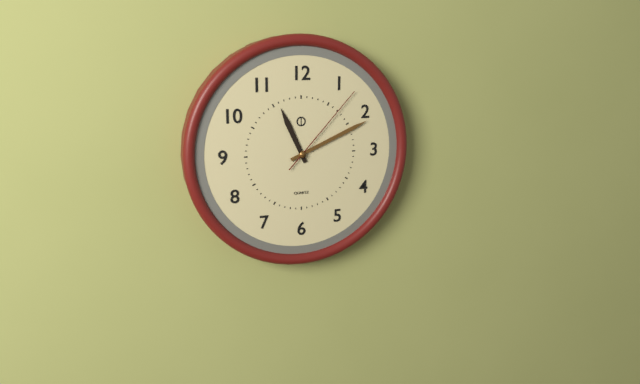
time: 11:11:07
